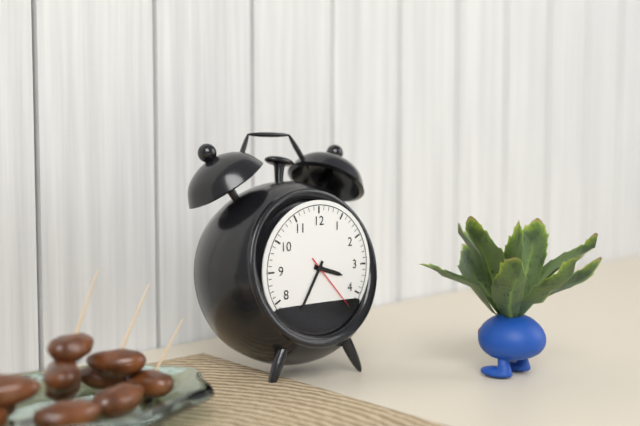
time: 3:35:23
